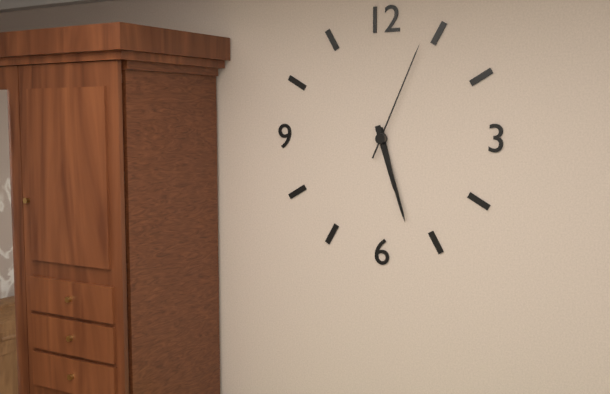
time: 5:27:04
